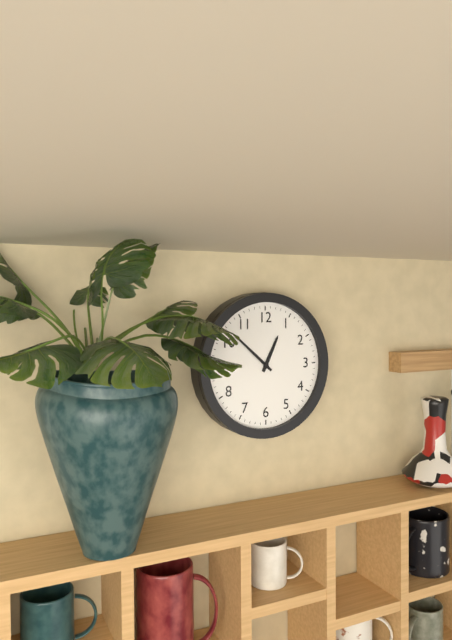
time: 12:52
